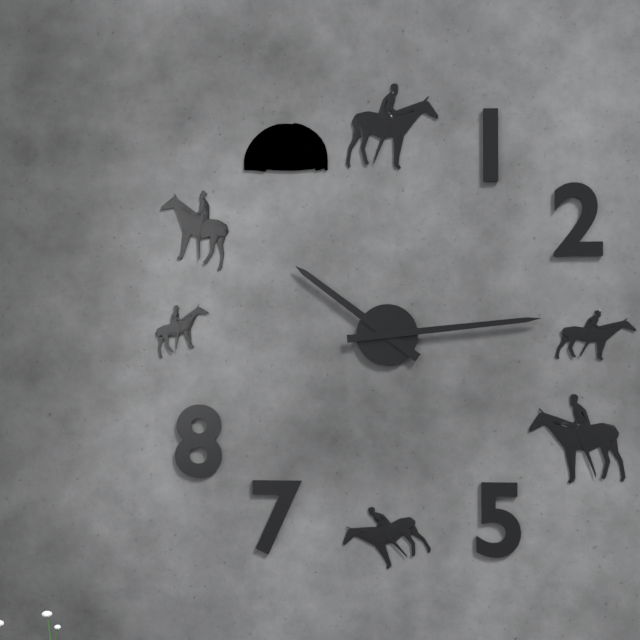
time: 10:14
